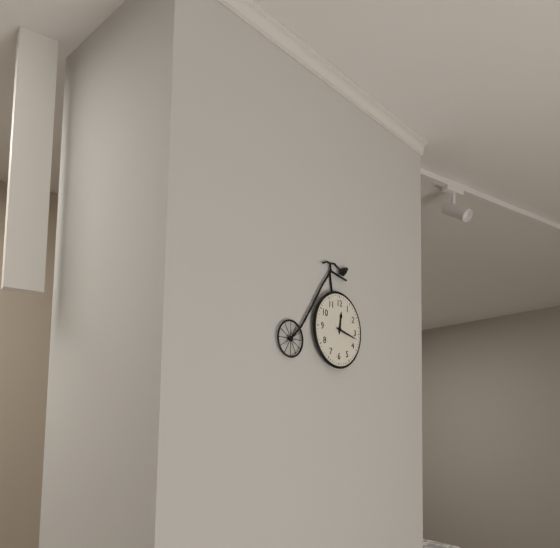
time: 12:17
